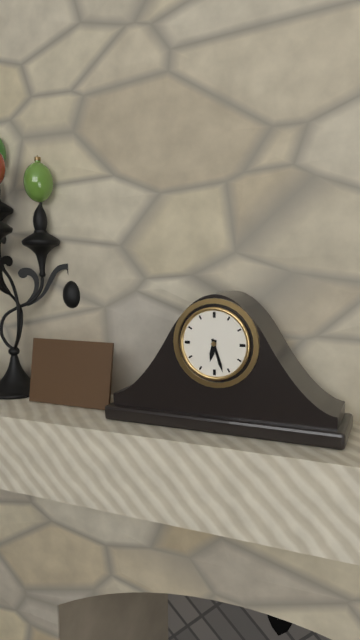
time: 6:27
